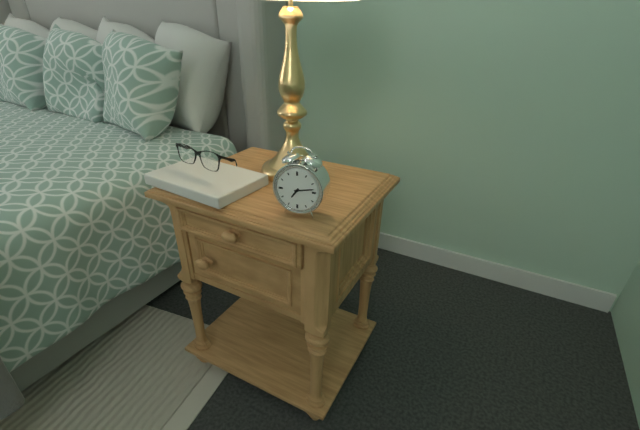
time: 7:13
